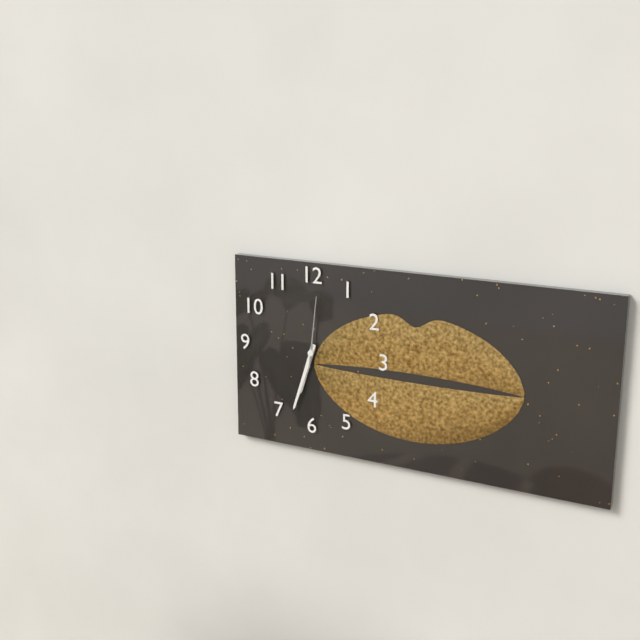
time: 6:33:01
